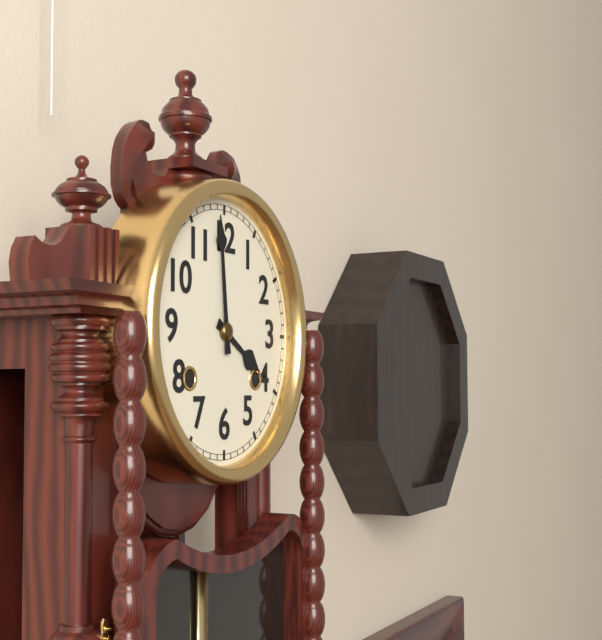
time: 3:59
